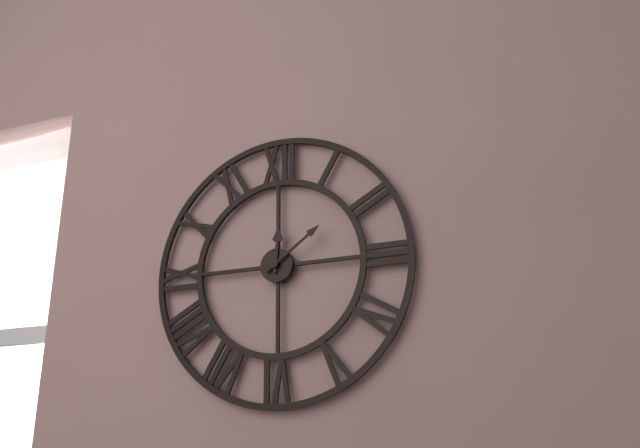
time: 12:09
